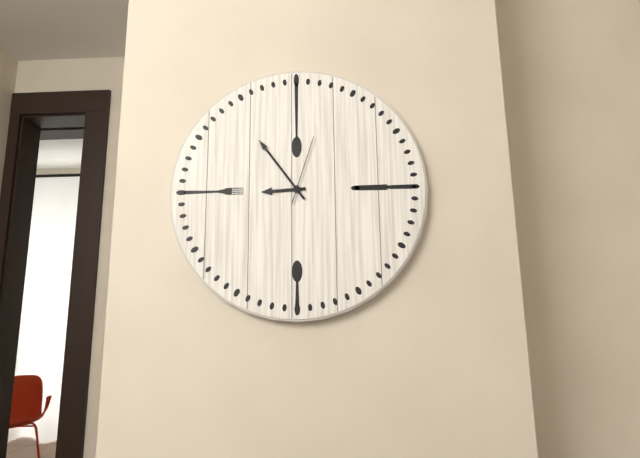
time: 8:54:03
